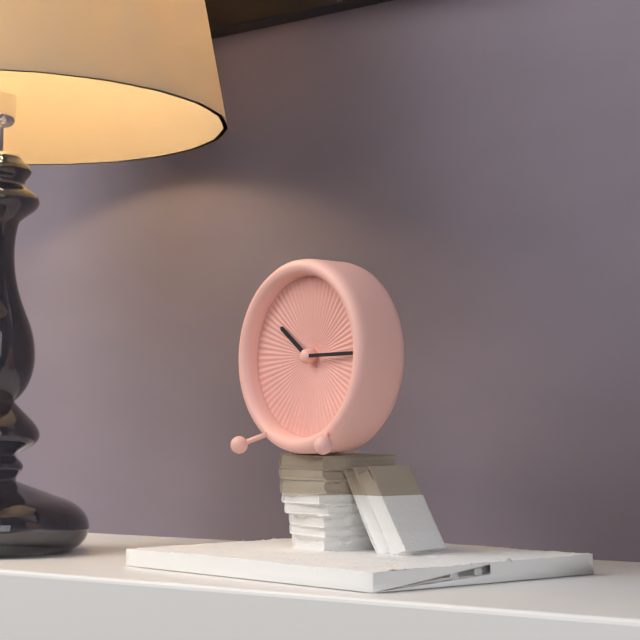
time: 10:15
